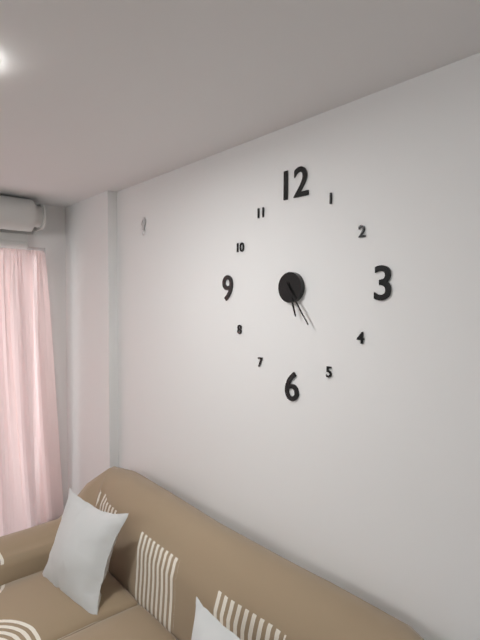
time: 5:24
